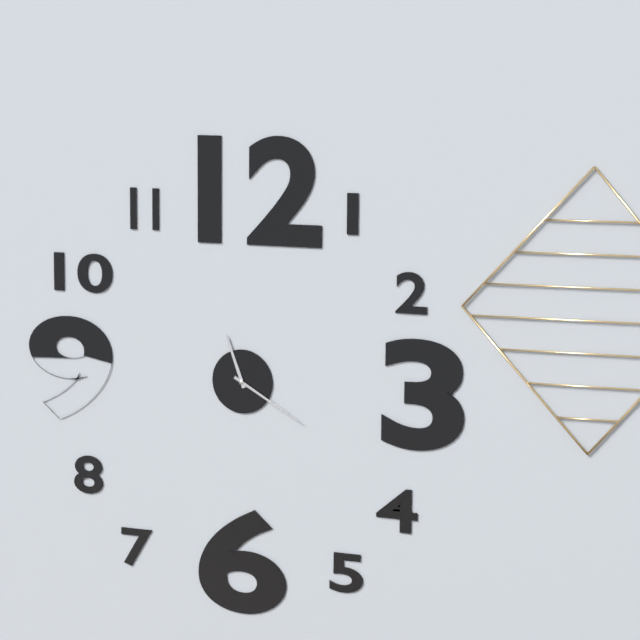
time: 11:20
